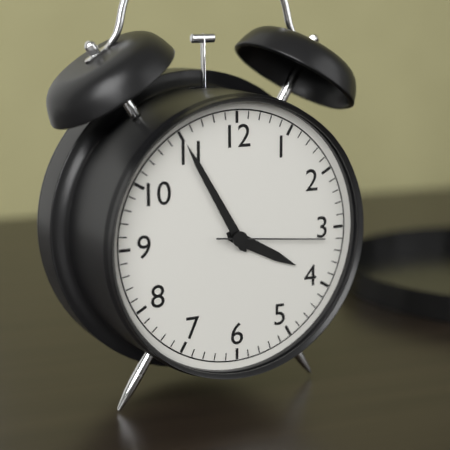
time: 3:55:16
